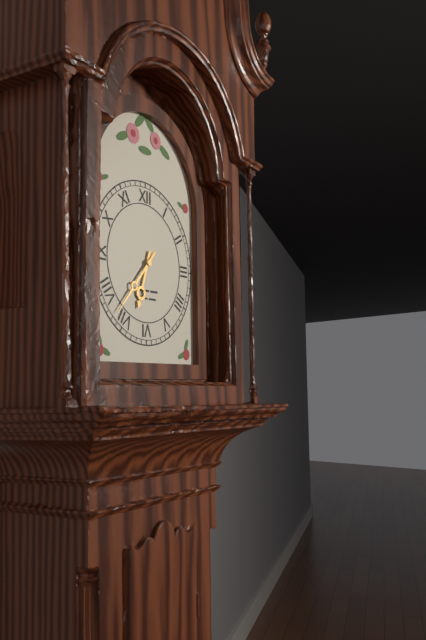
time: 6:37
